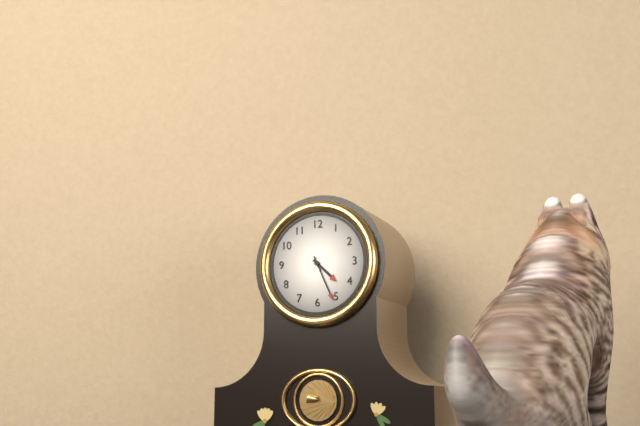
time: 4:26
